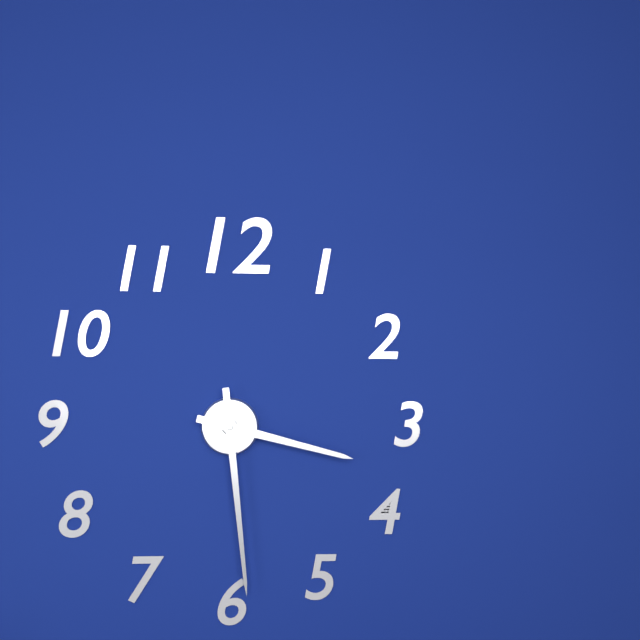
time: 3:29
